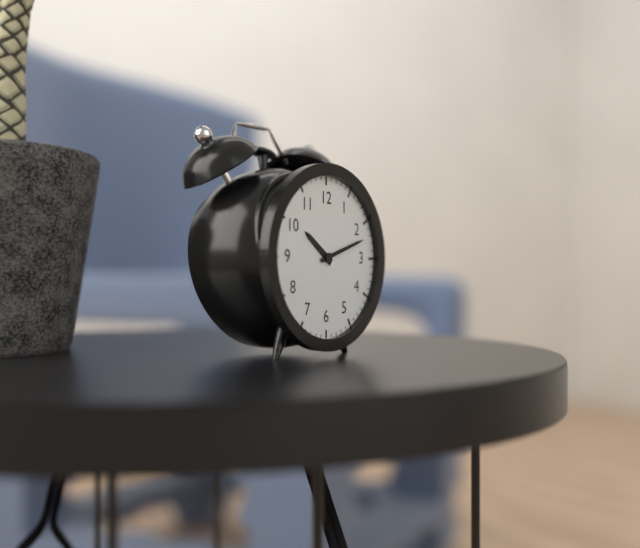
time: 10:12
